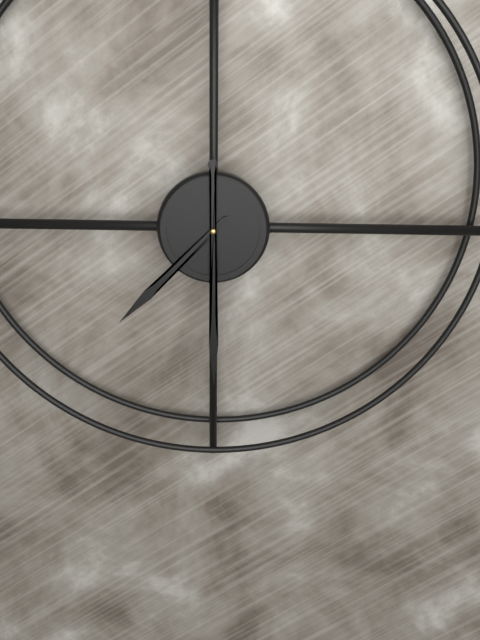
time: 7:30
